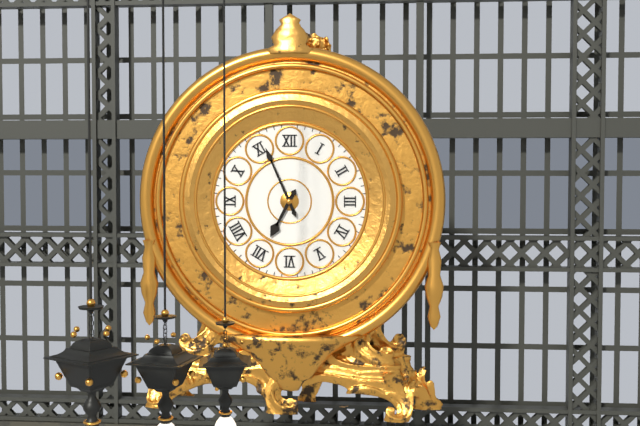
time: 6:56
